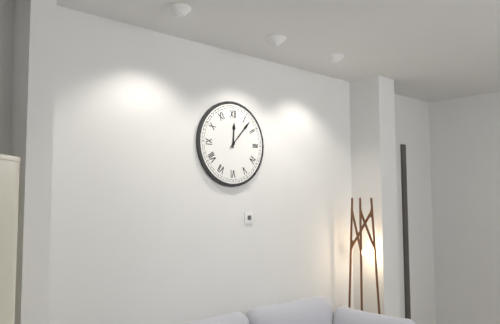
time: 12:07
